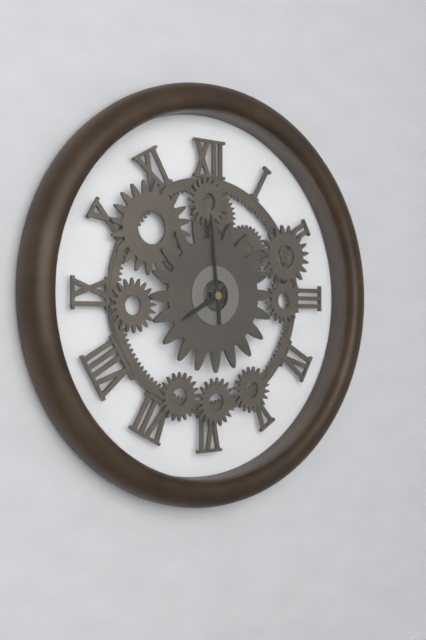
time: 7:59
